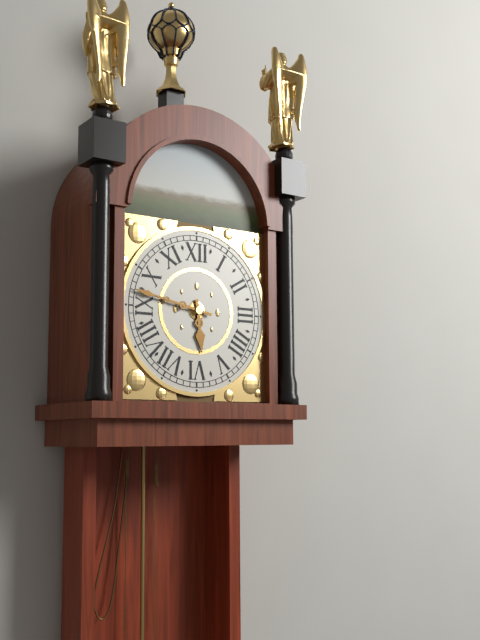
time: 5:47
